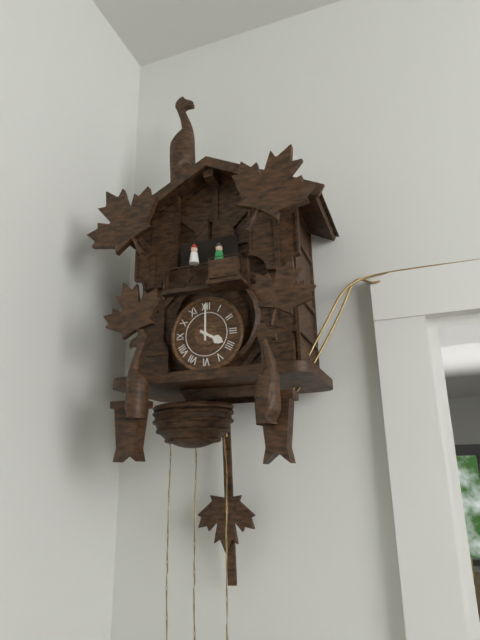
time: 4:00
